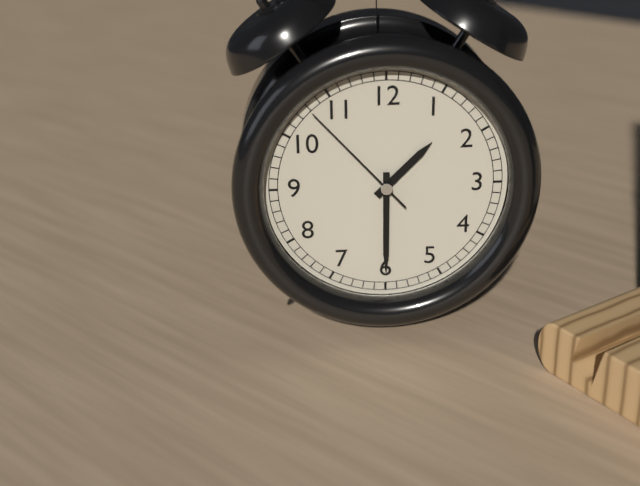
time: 1:30:53
